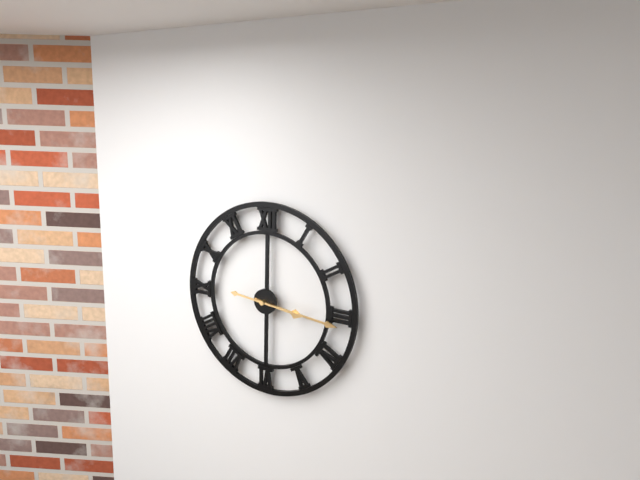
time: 3:16
